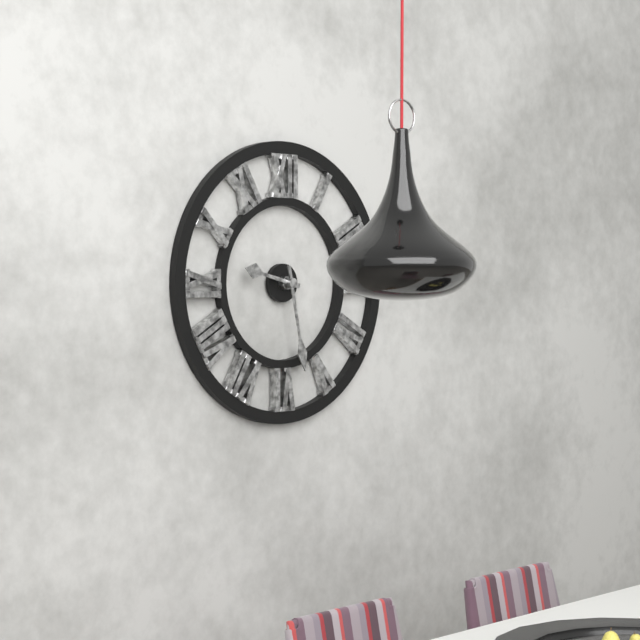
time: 9:28
